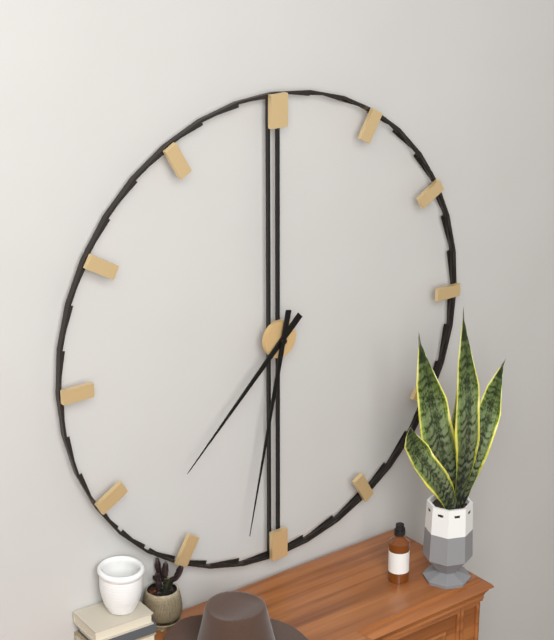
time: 7:32
